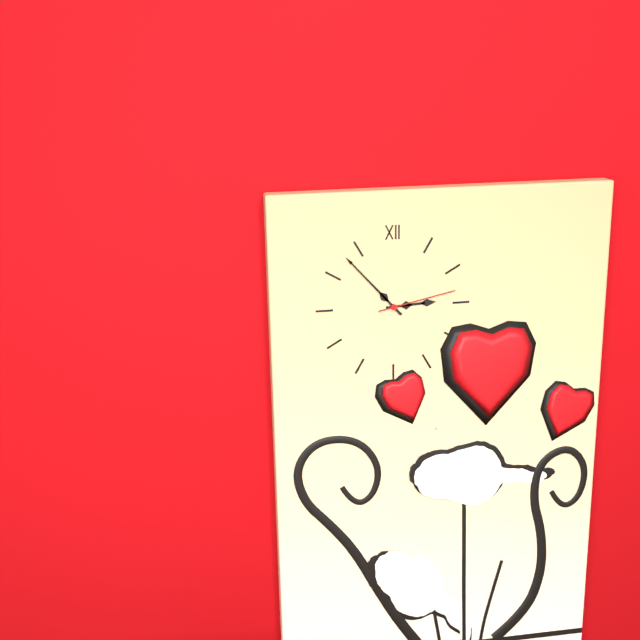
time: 2:53:13
